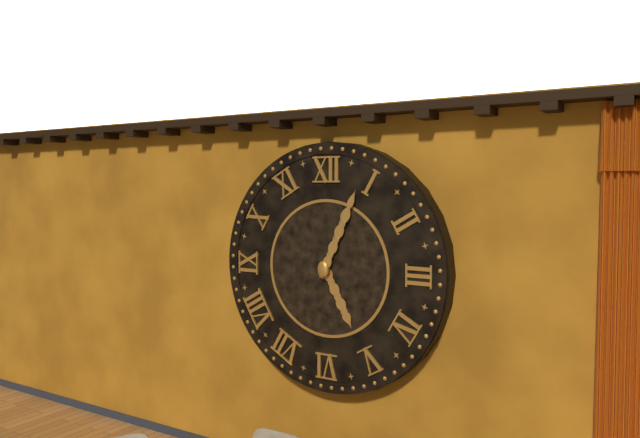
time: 5:04
